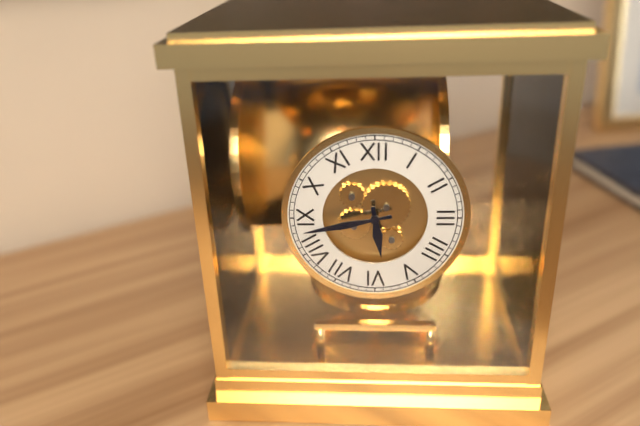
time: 5:43
